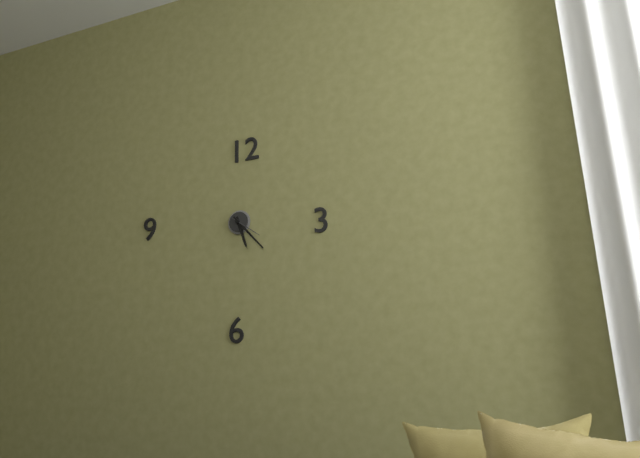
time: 5:23
